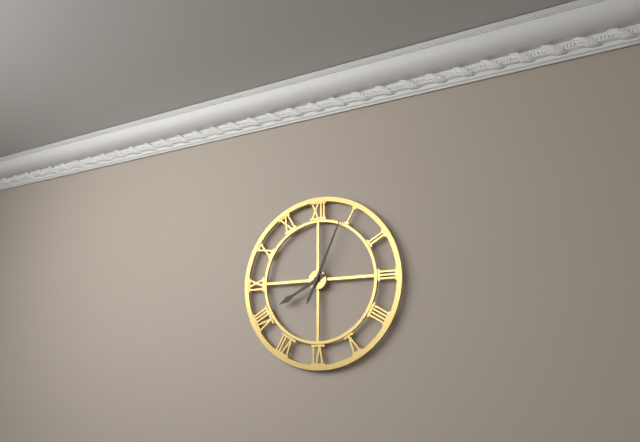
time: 8:04
